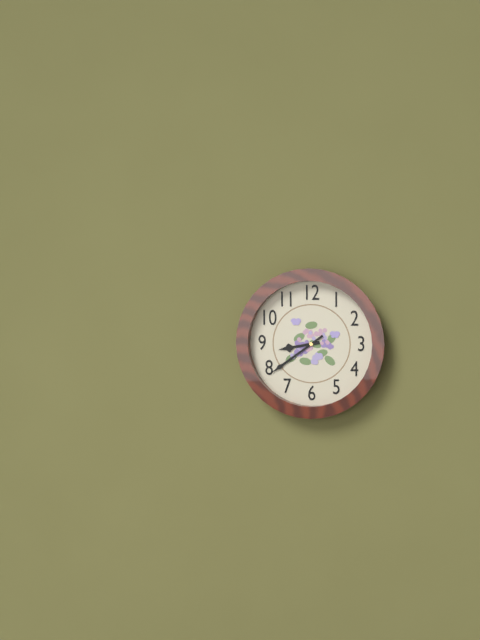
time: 8:39
